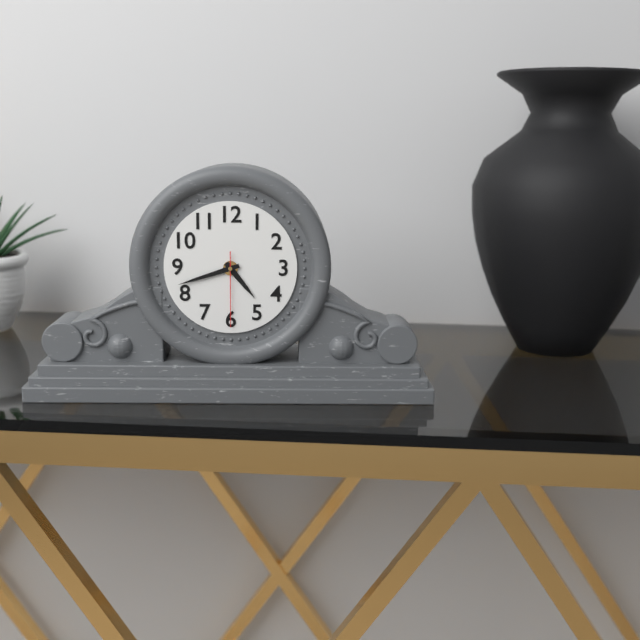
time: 4:42:30
